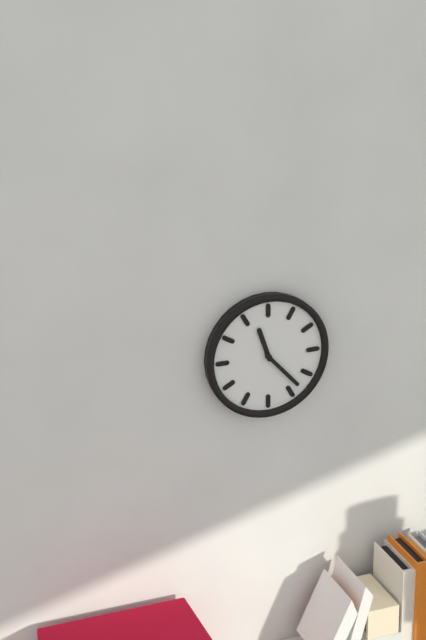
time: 11:23
